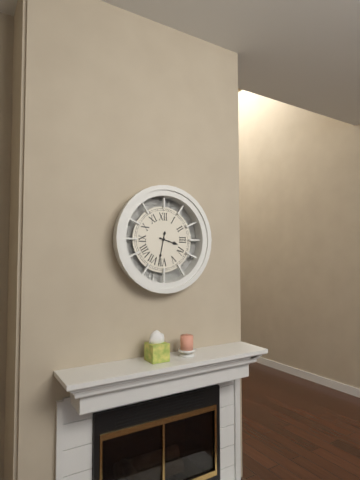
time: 3:32
